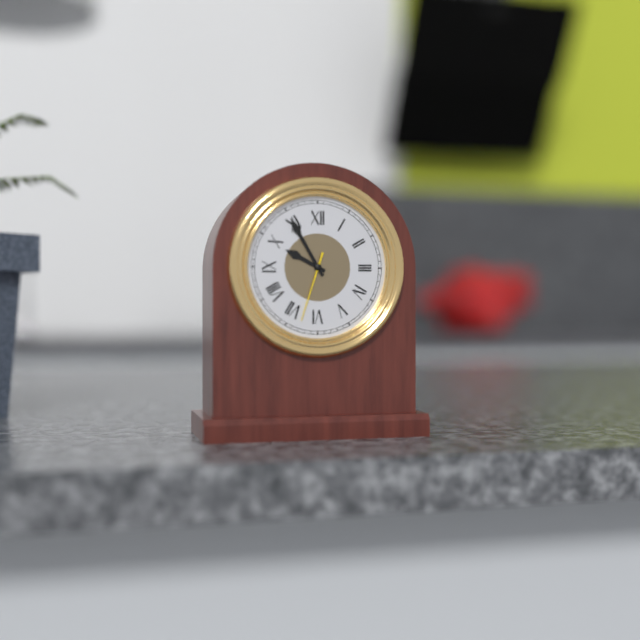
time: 9:55:33
